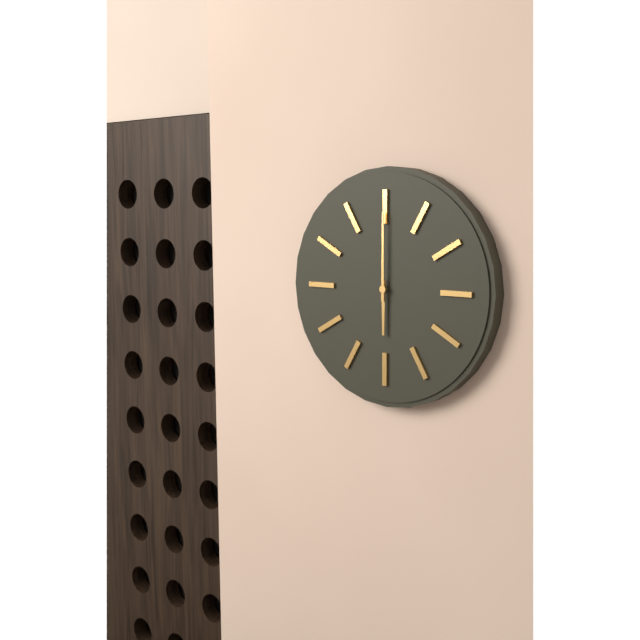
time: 6:00
